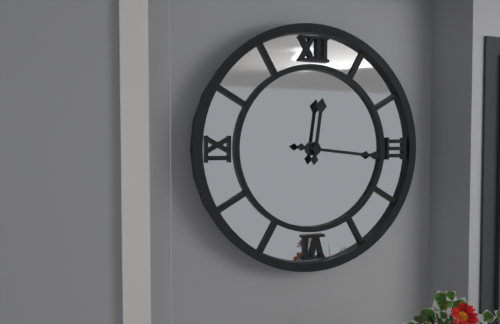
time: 12:16
